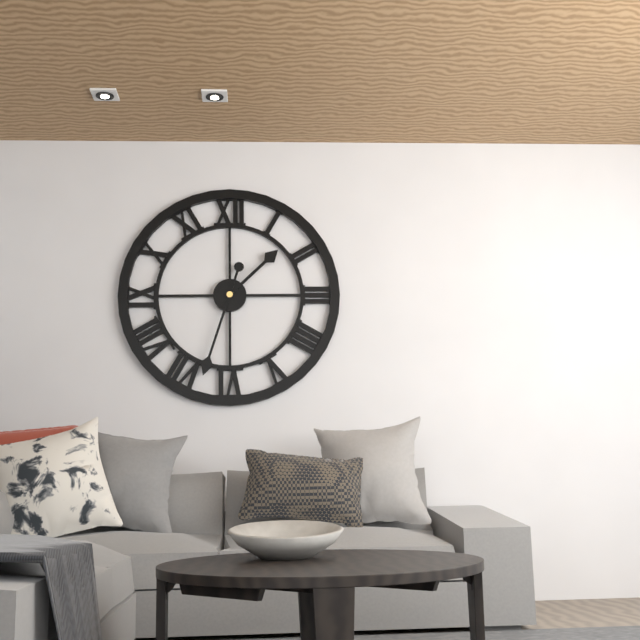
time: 1:33
